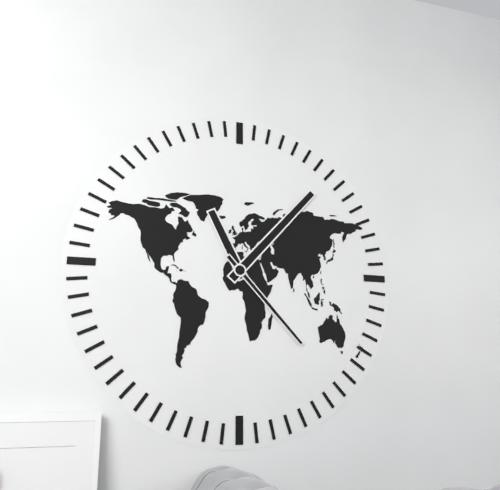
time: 11:07:23
